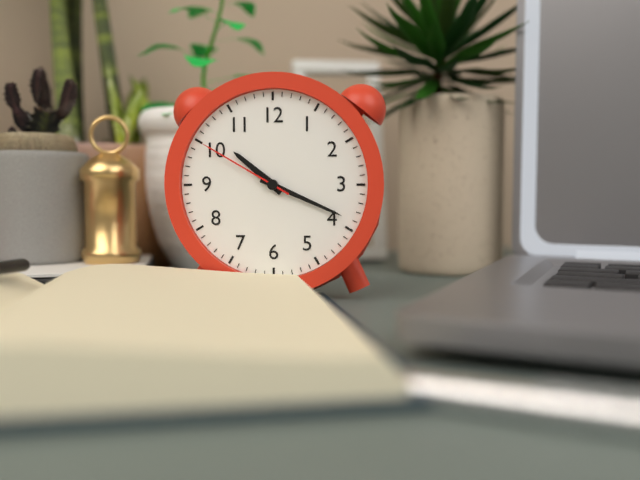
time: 10:19:50
